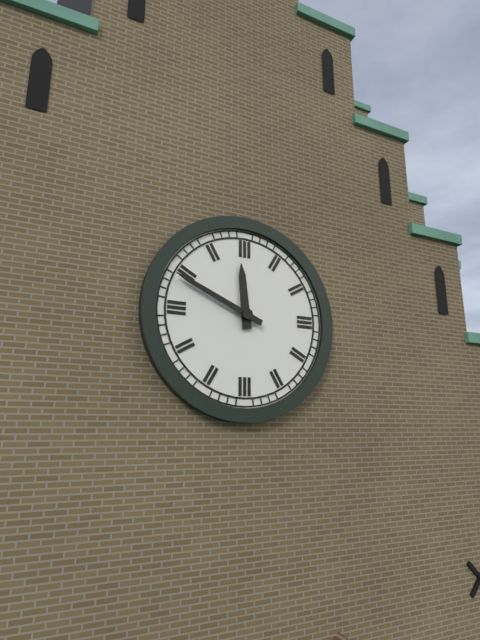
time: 11:49
